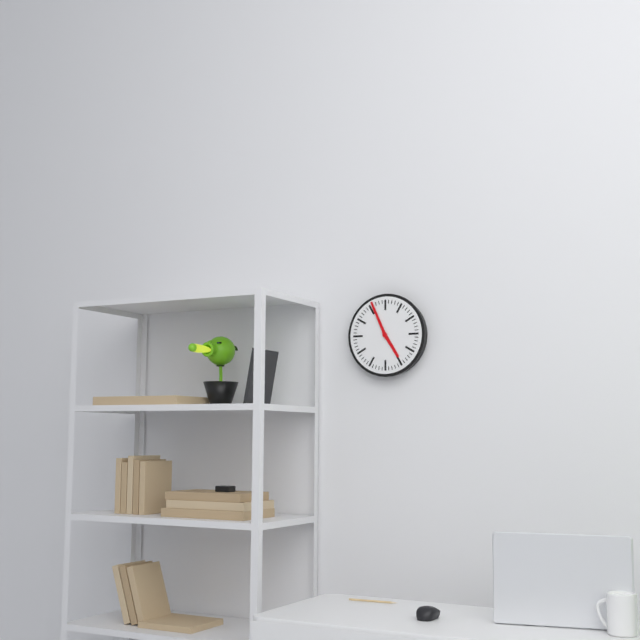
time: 4:56
